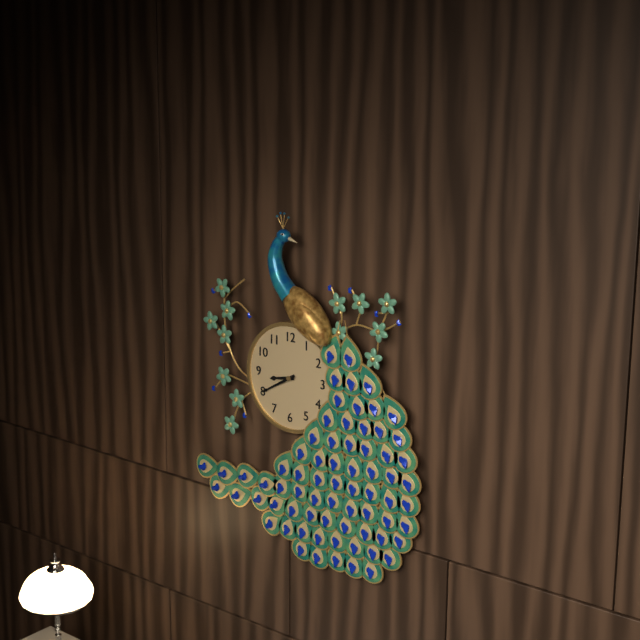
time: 8:40
